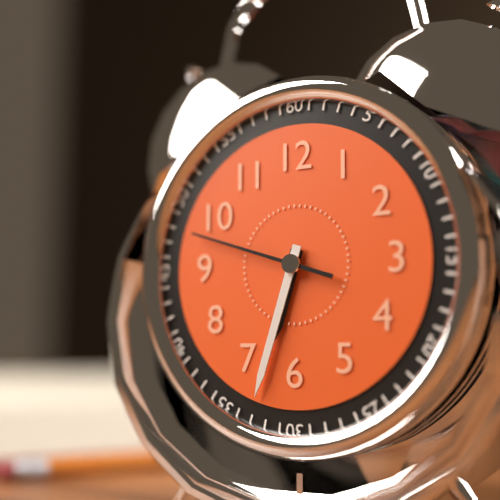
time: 6:33:48
